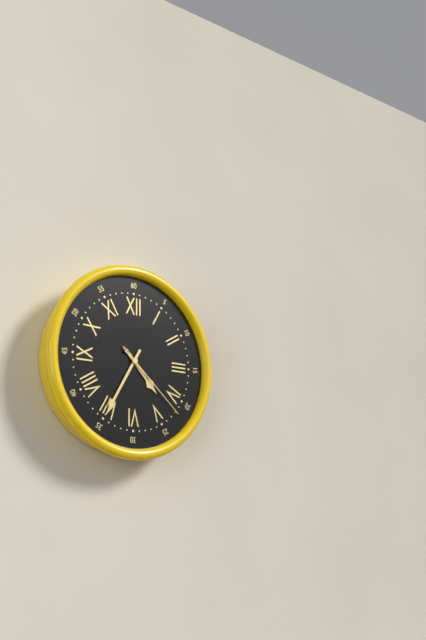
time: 4:35:22
